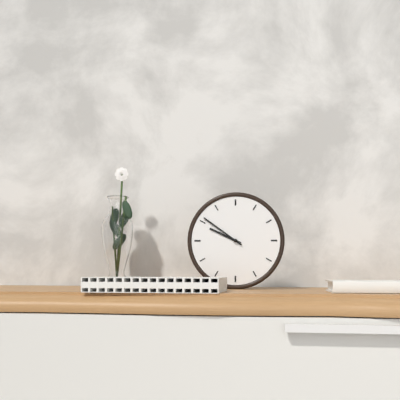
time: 9:51
